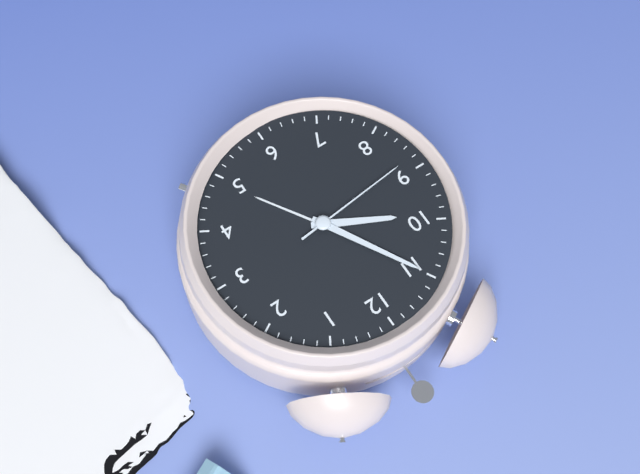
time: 9:55:44
